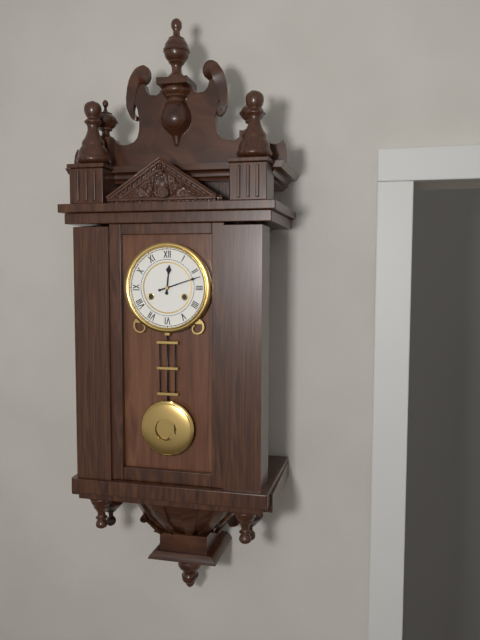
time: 12:12
